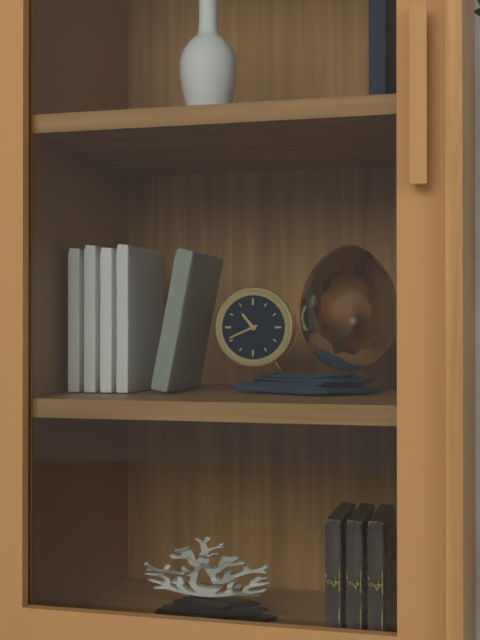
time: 10:41
